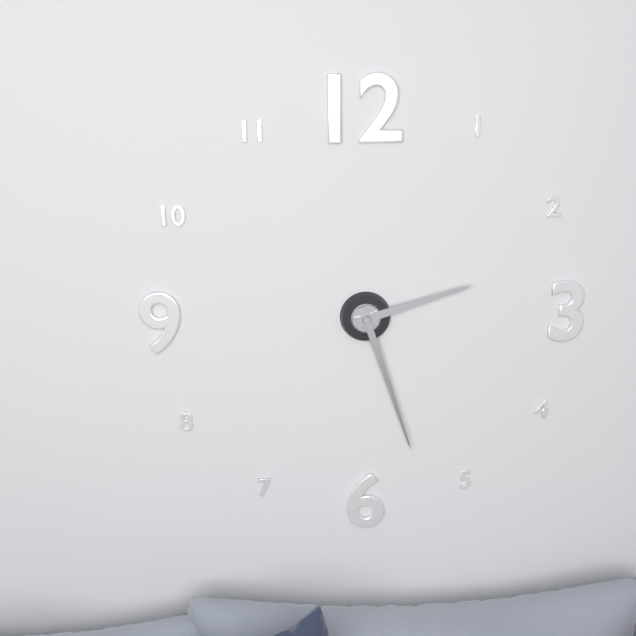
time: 2:27
